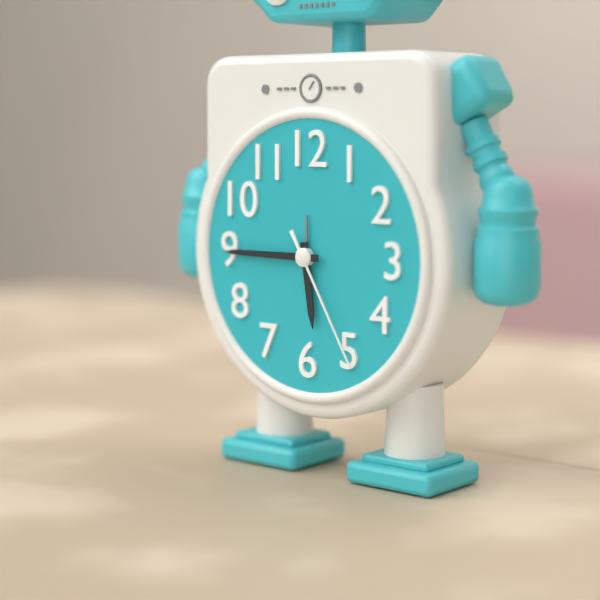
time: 5:45:25
